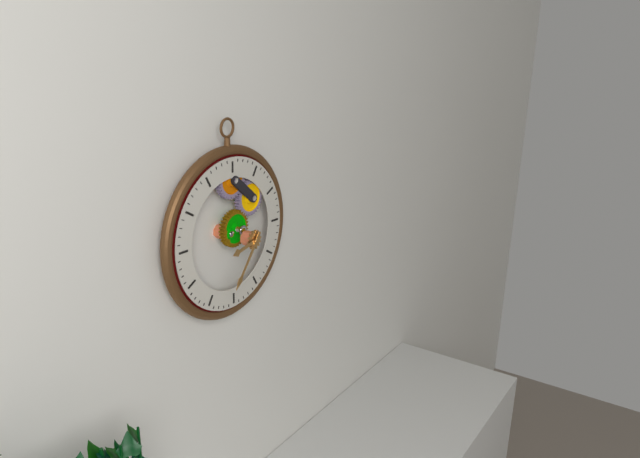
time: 8:36
